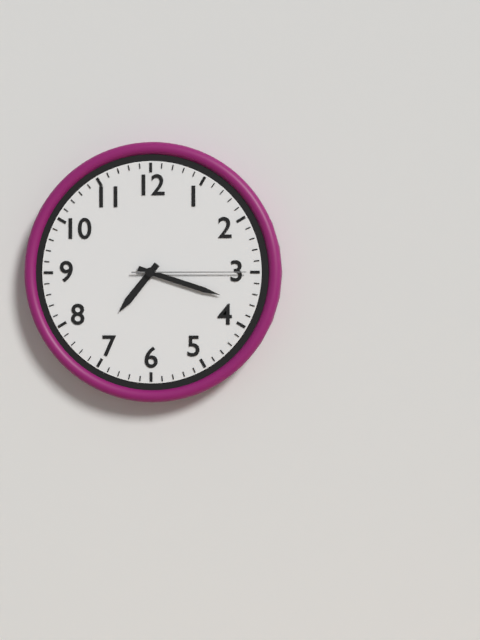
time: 7:18:15
